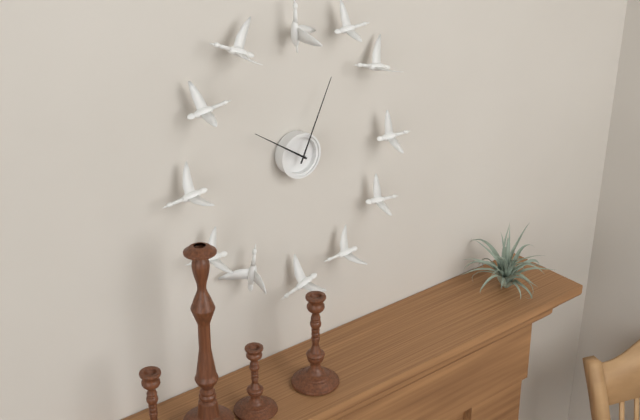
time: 10:04
